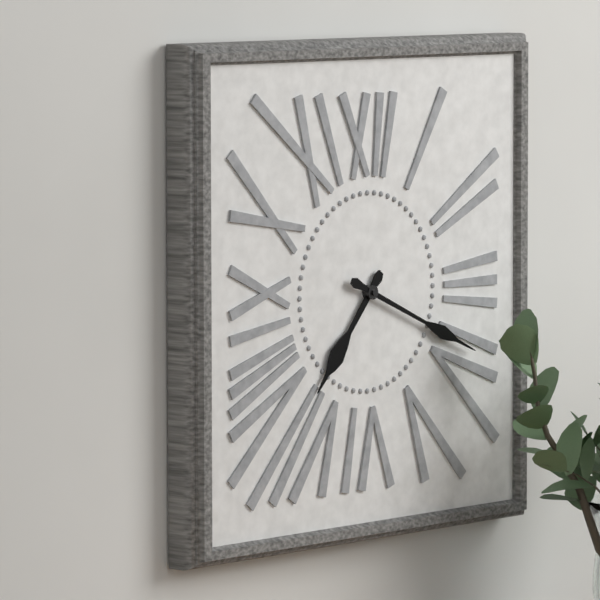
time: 7:19
